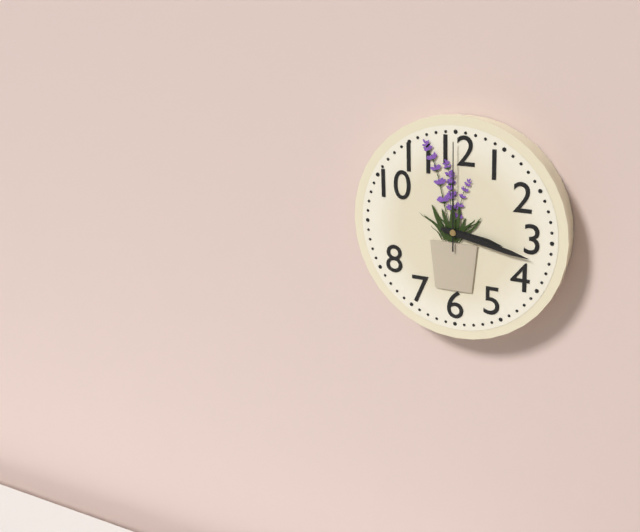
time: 3:17:00
